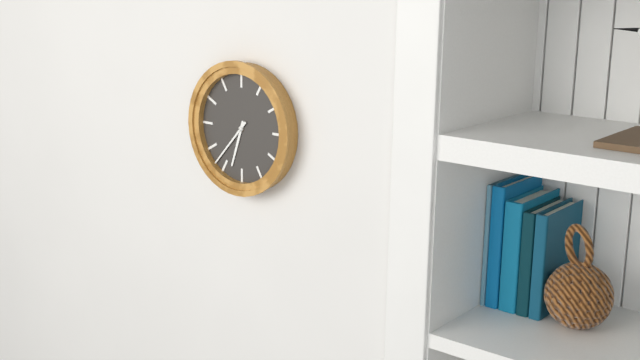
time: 6:37
